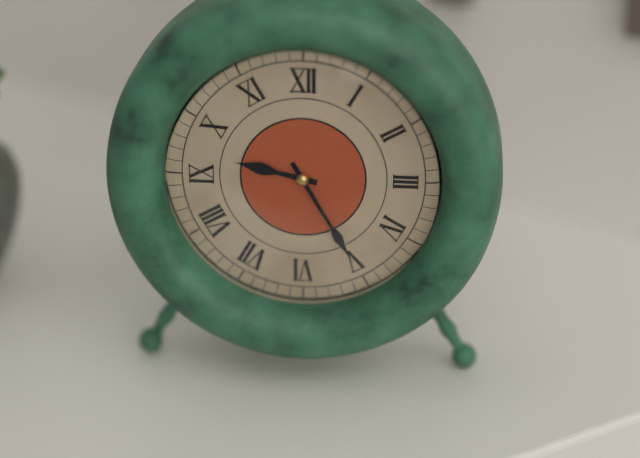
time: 9:25
